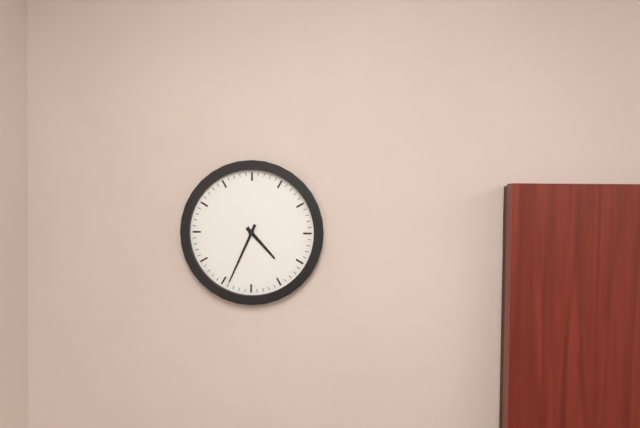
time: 4:34
